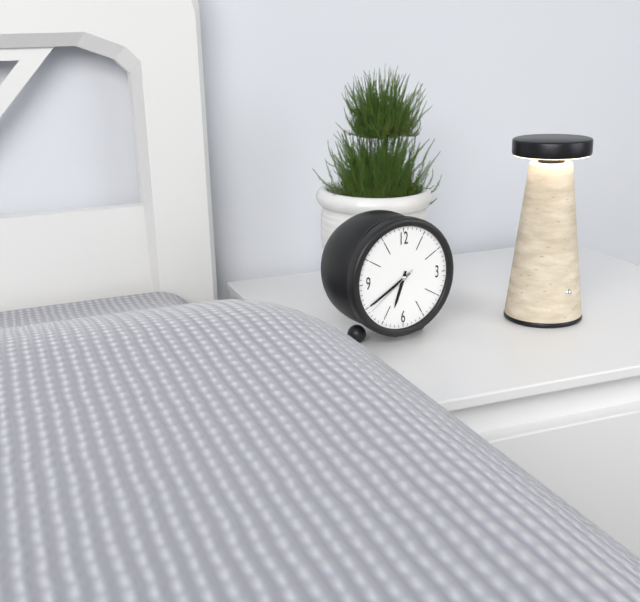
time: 6:40:39
